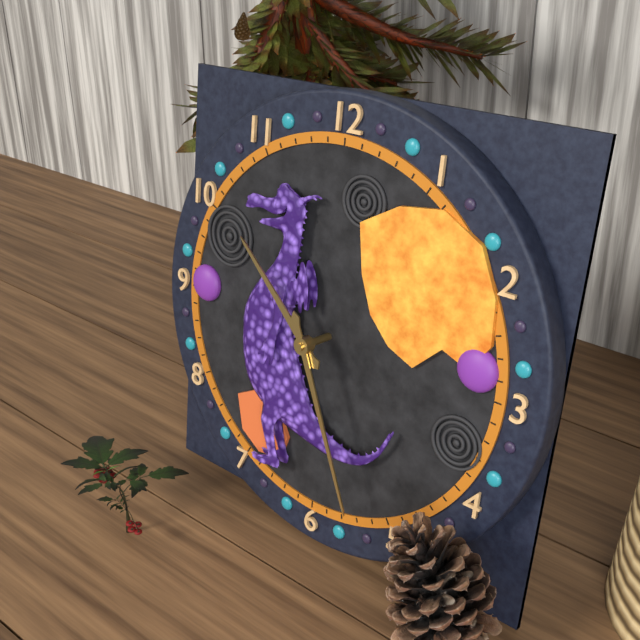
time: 10:26
